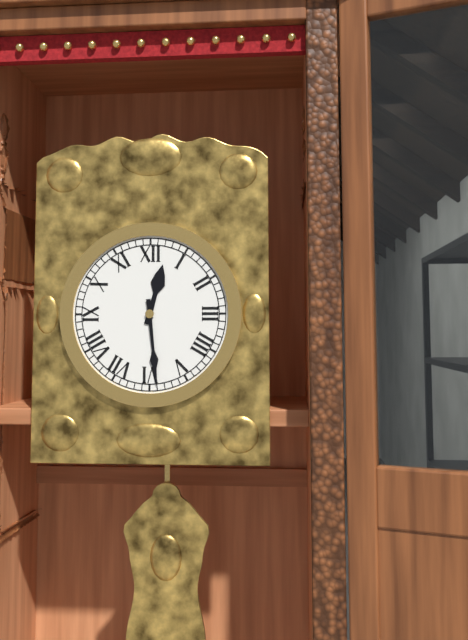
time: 12:29
